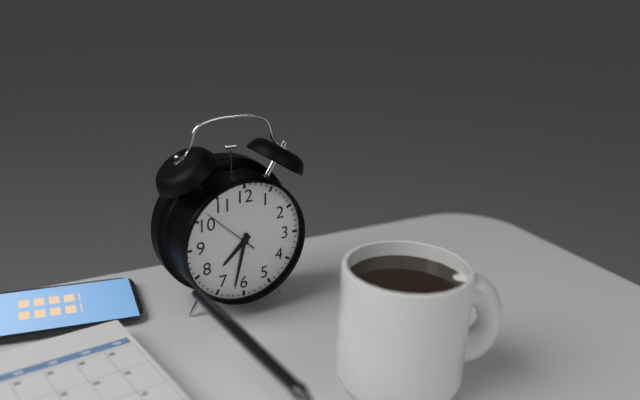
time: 7:32:52
